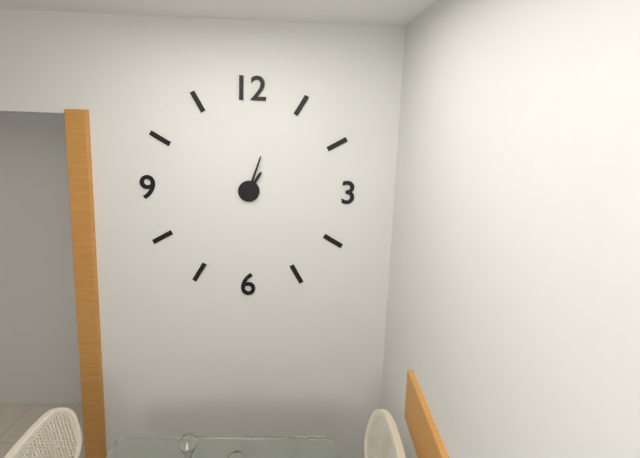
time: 1:03
